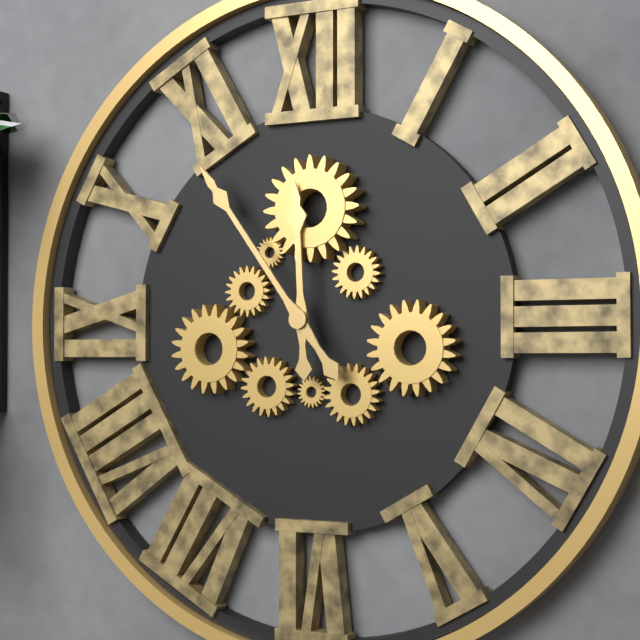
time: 11:54
